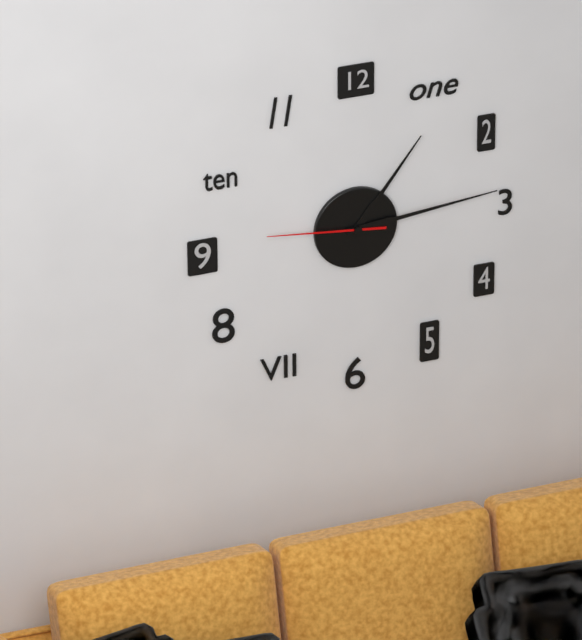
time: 1:14:46
